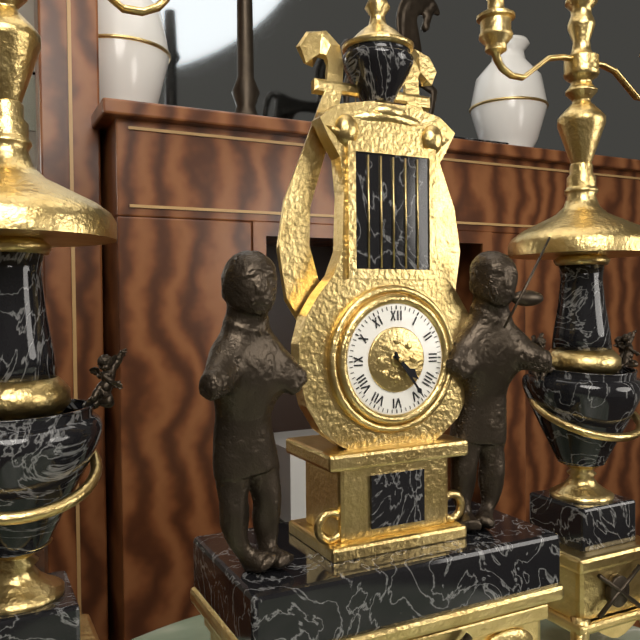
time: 4:24
